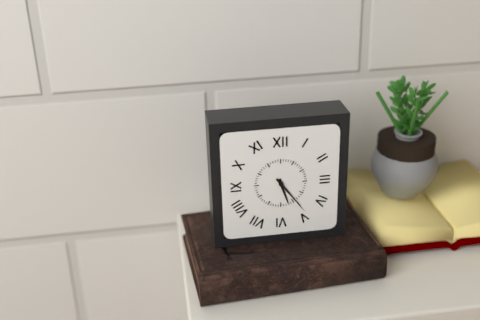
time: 5:24
